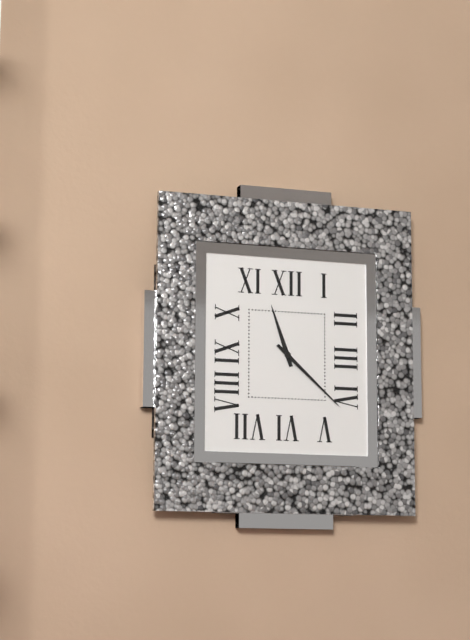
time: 11:22
